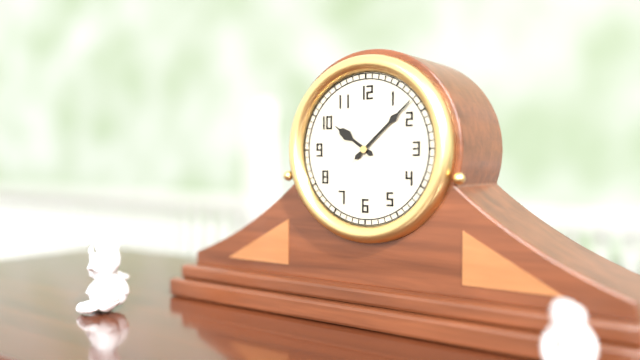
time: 10:08
